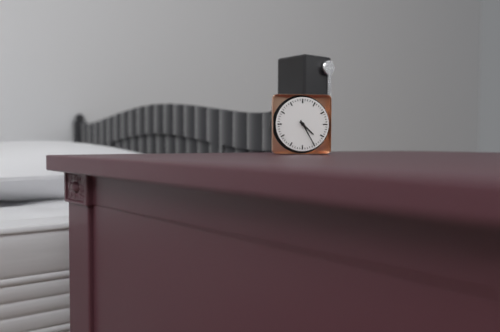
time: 4:25
